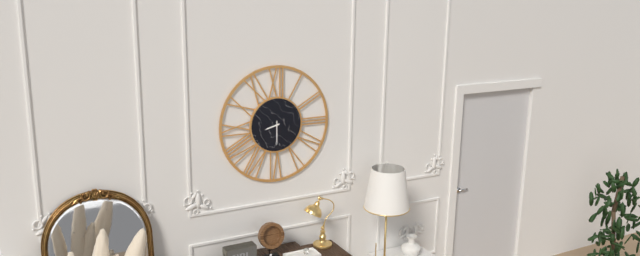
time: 8:30
